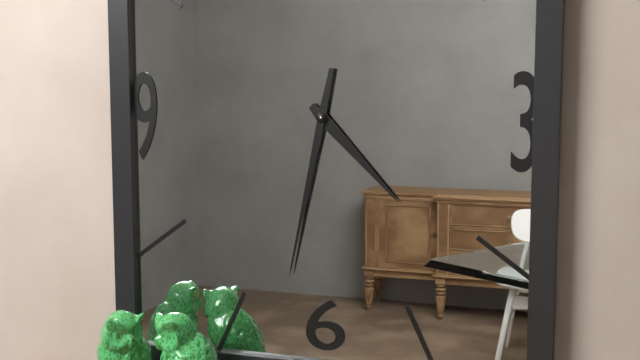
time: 4:32
